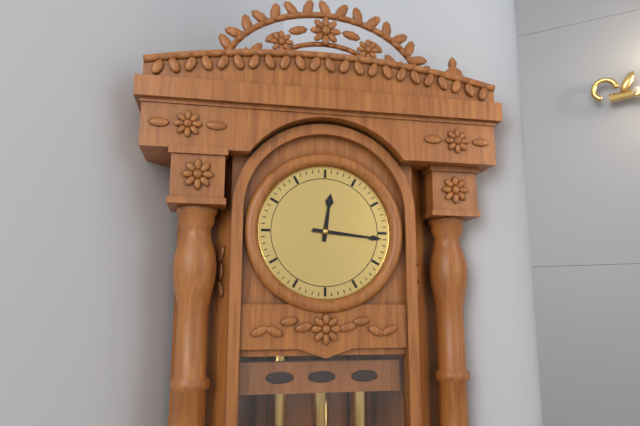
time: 12:16
